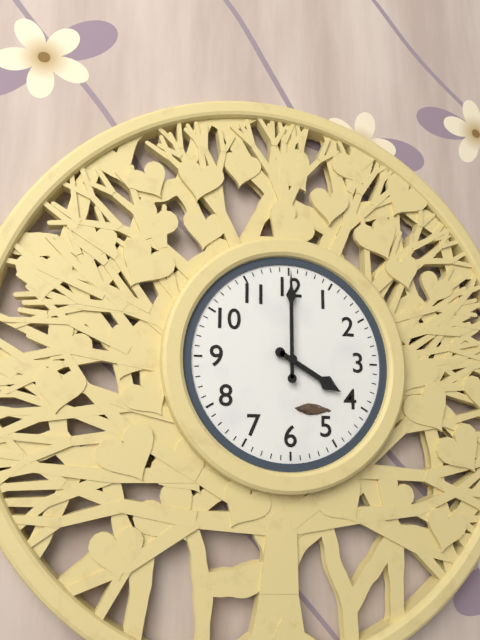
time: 4:00
